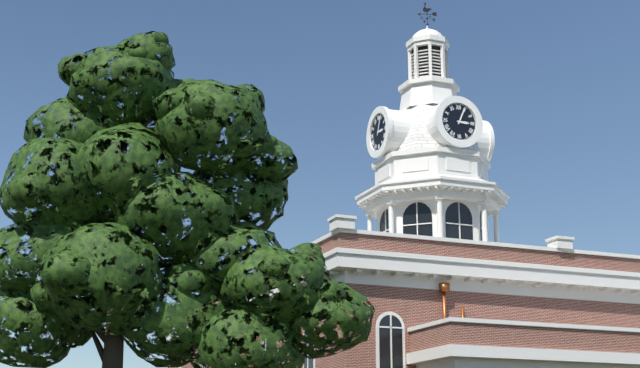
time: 3:04
